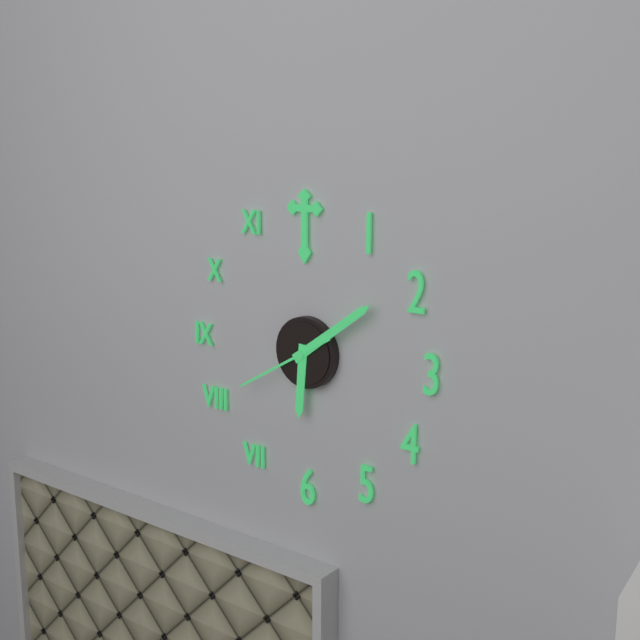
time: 6:09:40
